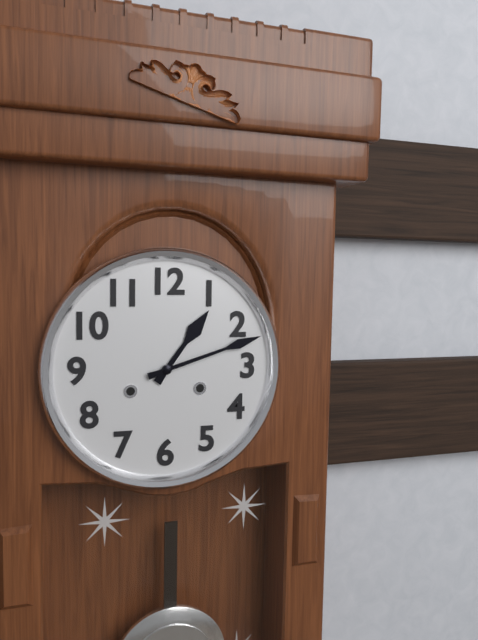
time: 1:12
